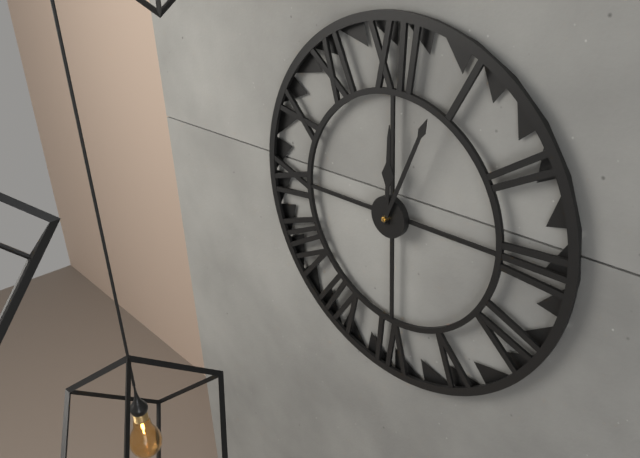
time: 12:04
